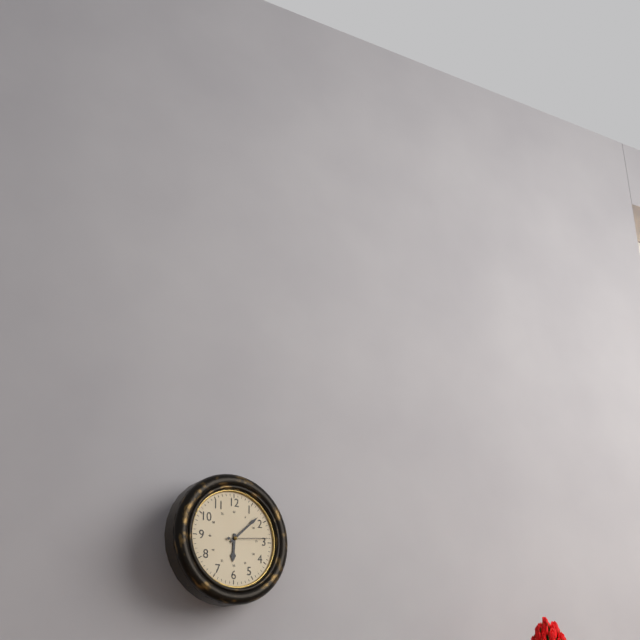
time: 6:08
